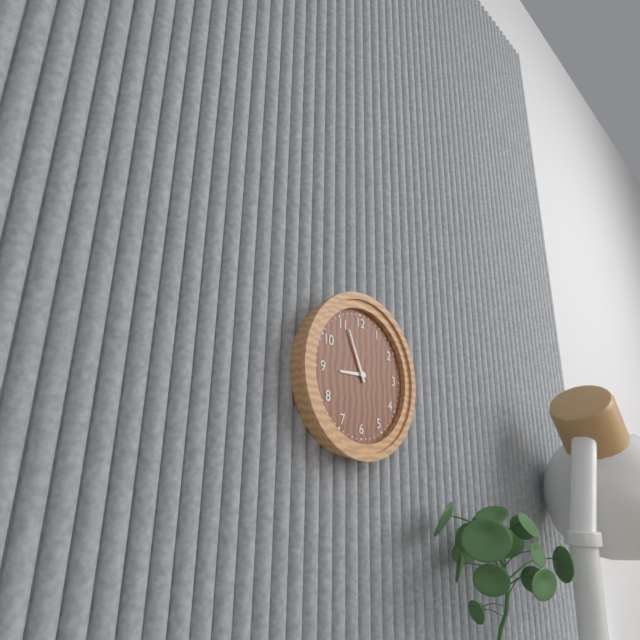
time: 8:56
